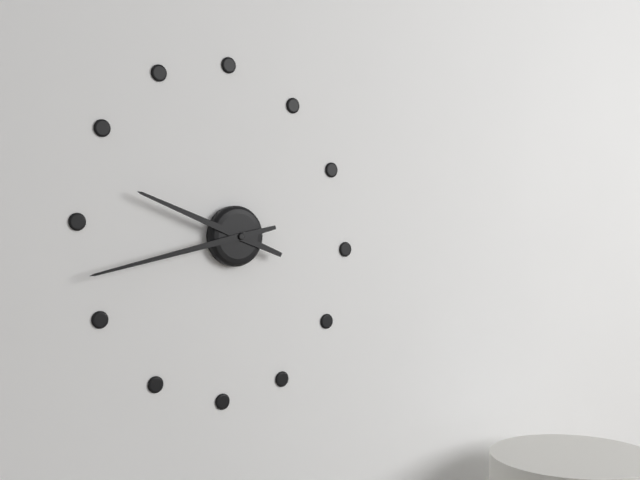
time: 9:43
